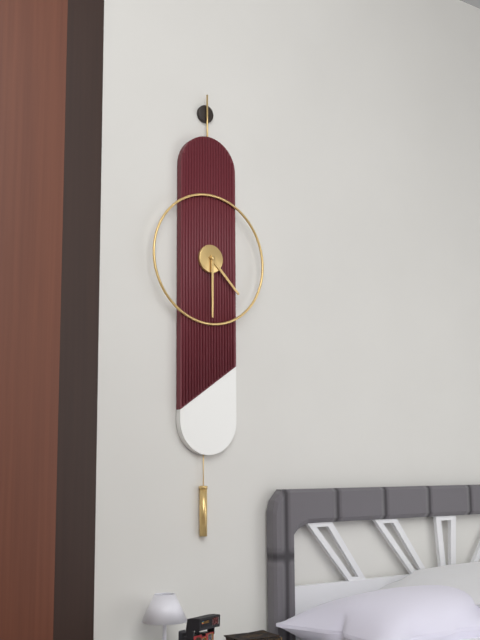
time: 4:30
